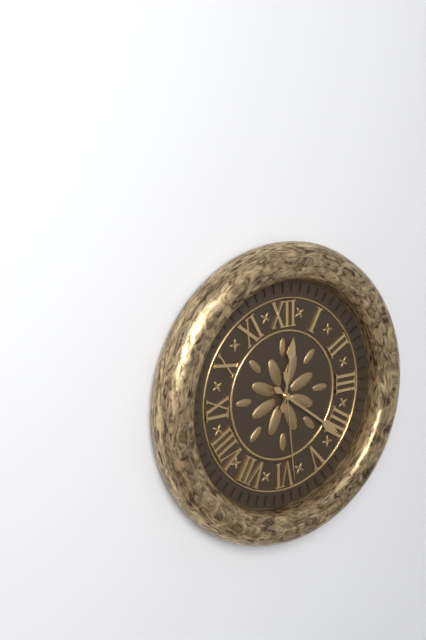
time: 12:21:29
